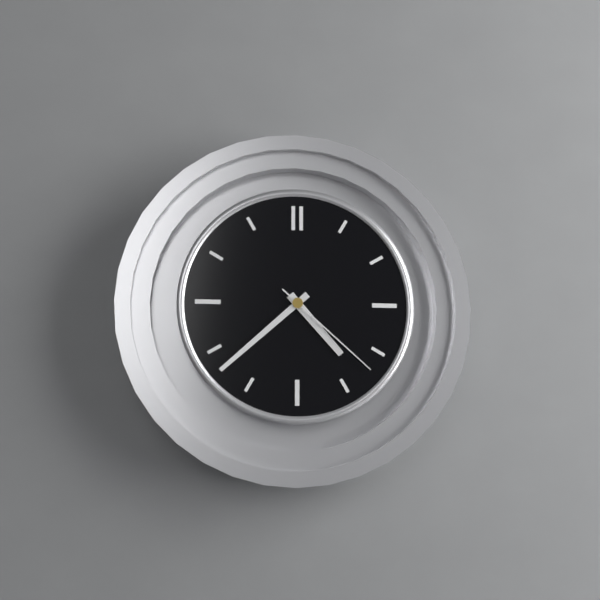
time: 4:38:22
